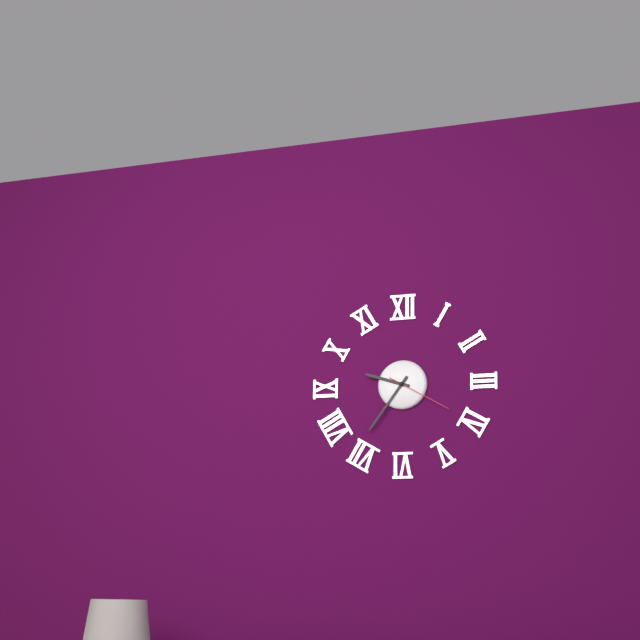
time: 9:36:20
